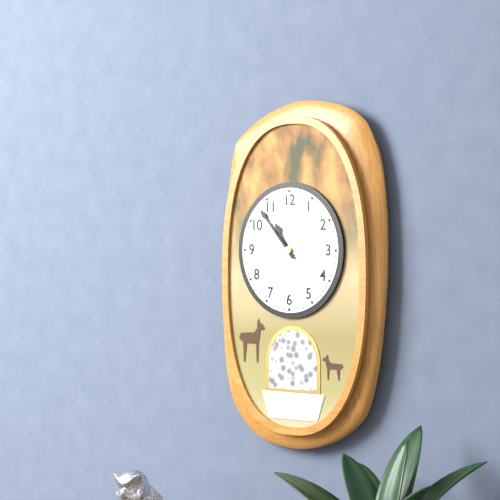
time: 10:53
